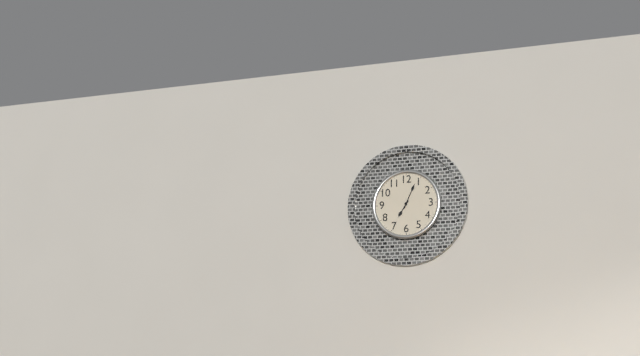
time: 7:04
